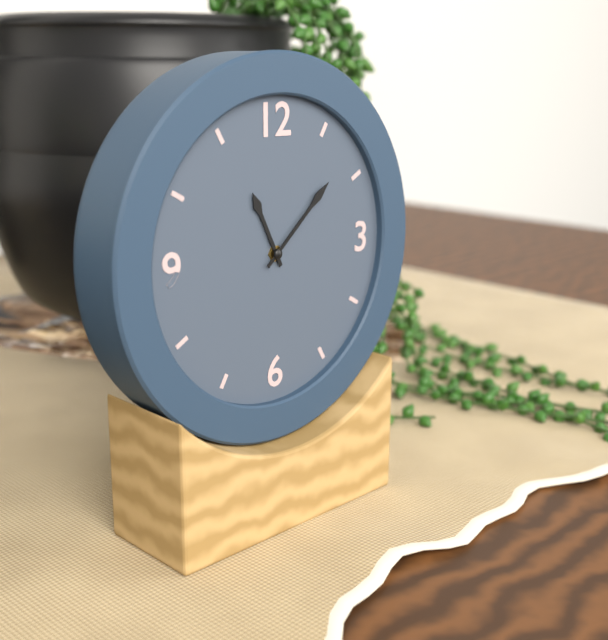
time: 11:08
